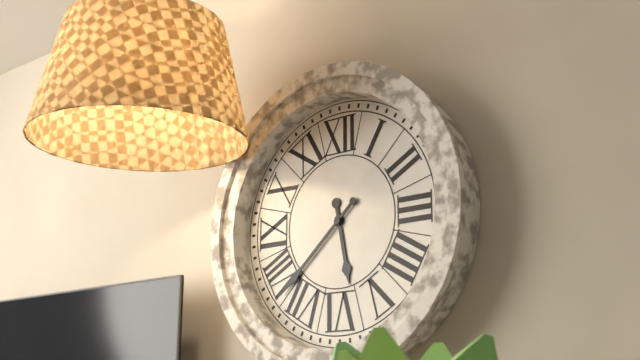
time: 5:38
